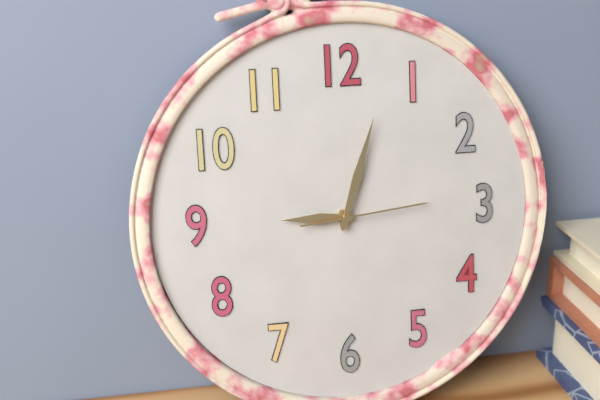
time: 9:03:14
